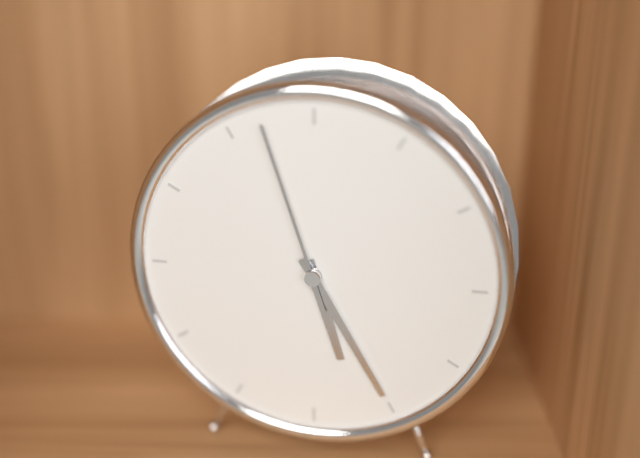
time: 5:25:57
